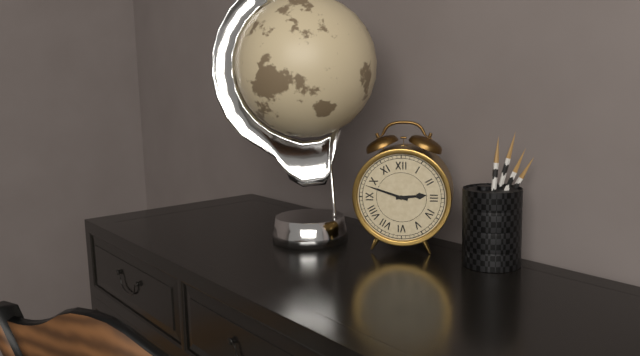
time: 2:48
